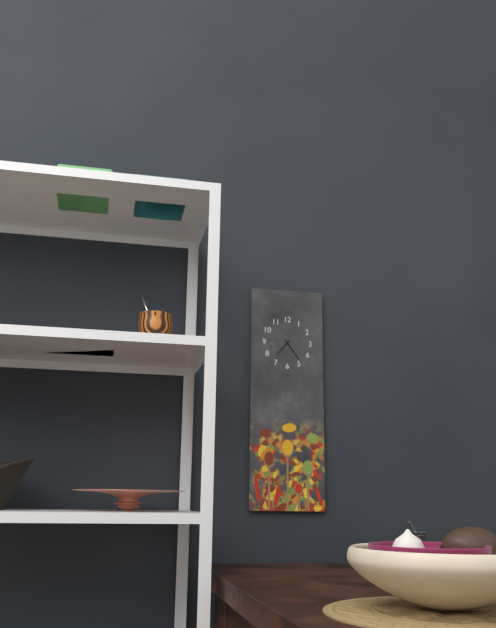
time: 7:24
